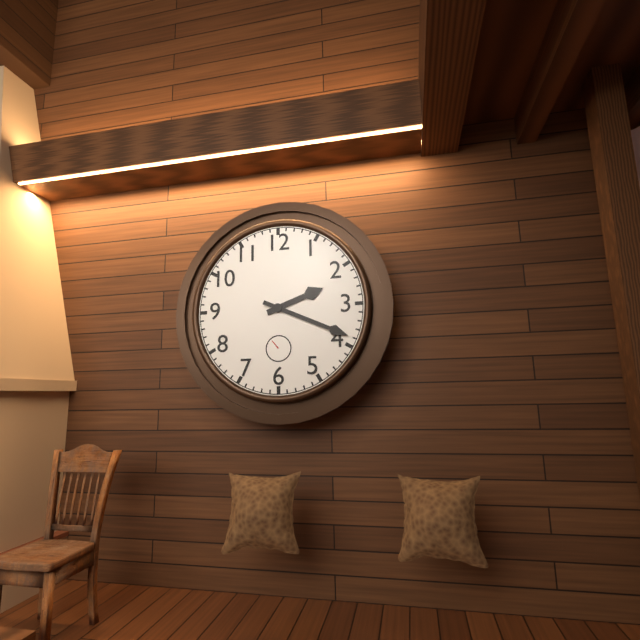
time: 2:19
